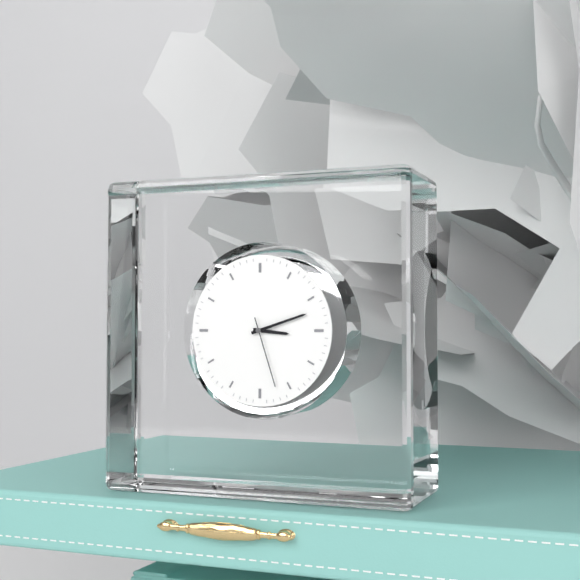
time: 3:12:27
